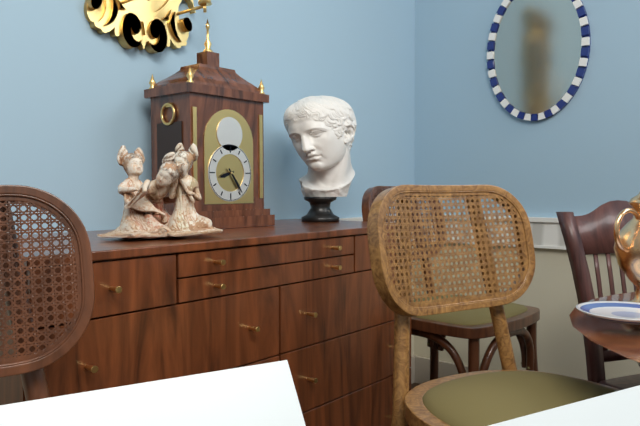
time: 8:24
